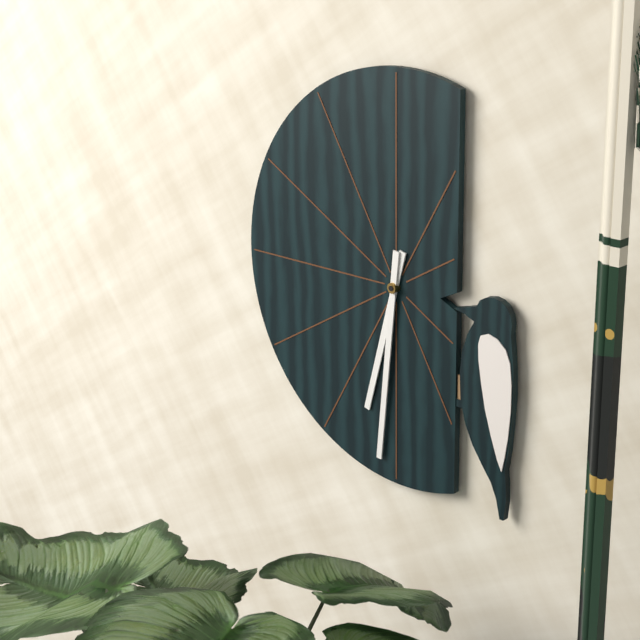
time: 6:31
